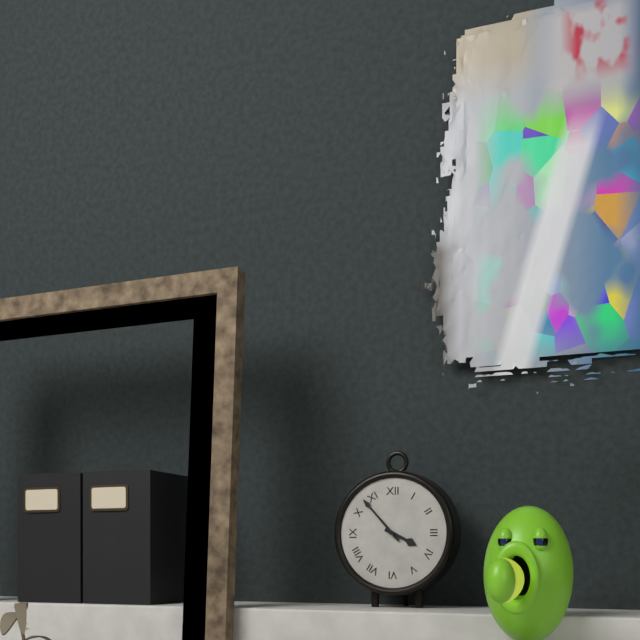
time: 3:53
